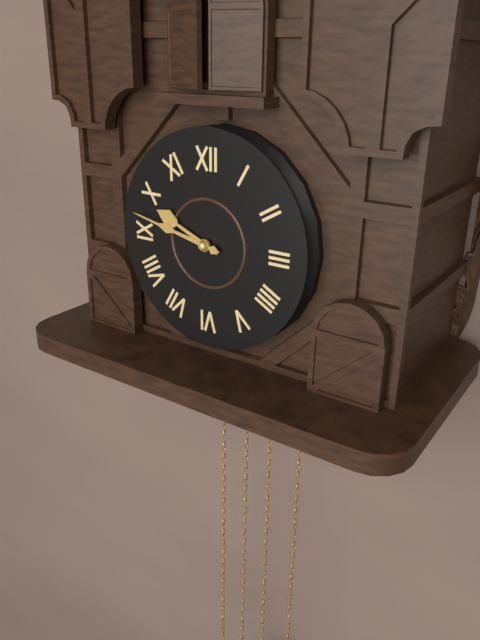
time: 9:47
